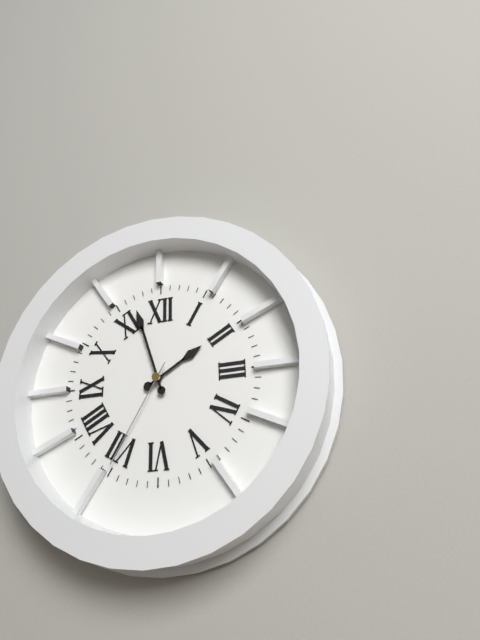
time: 1:57:35
